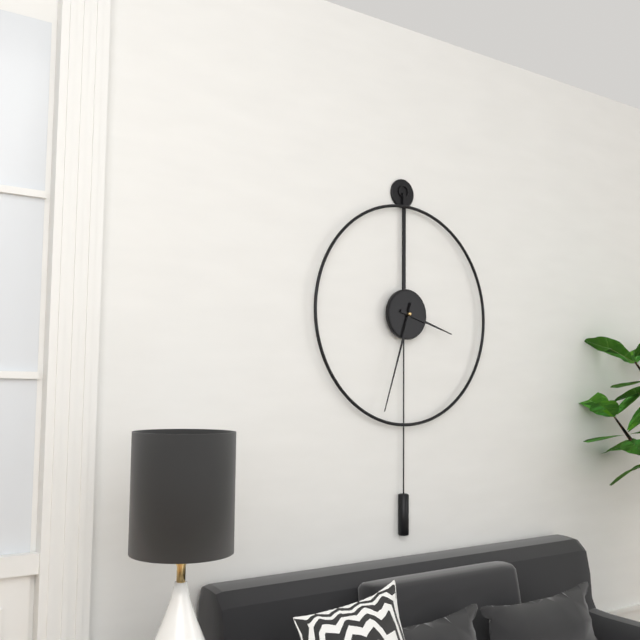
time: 3:33
